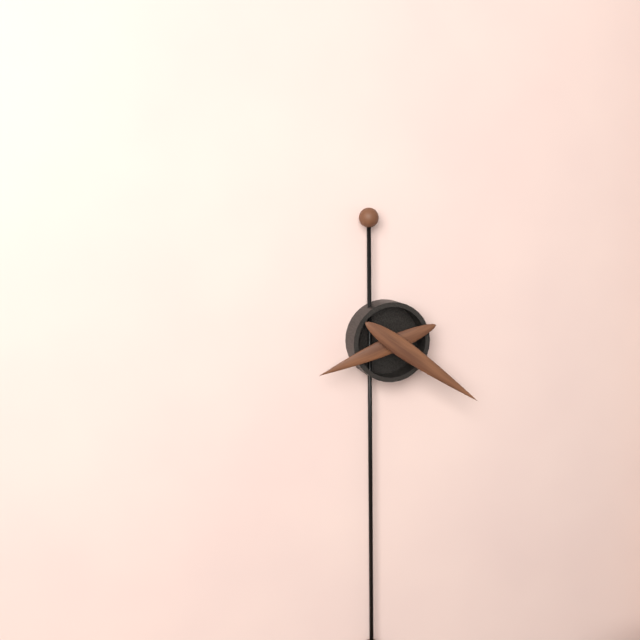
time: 8:21
